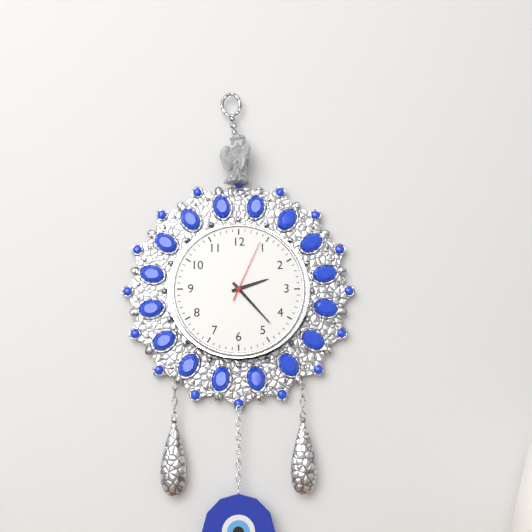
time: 2:23:04
